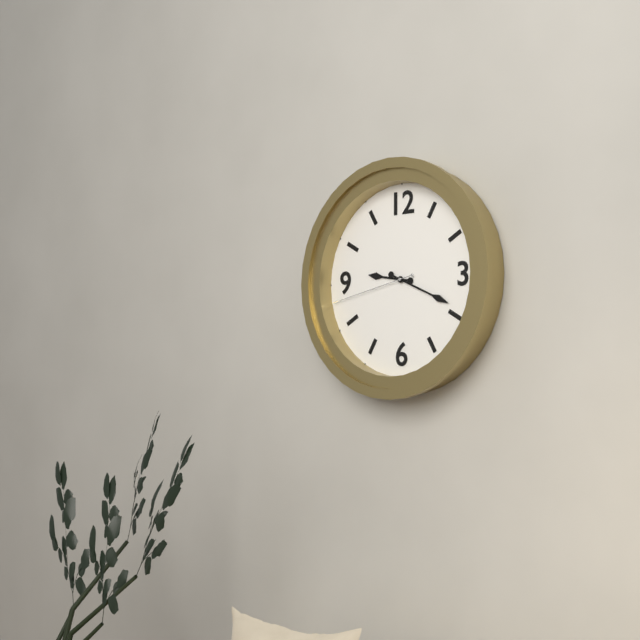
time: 9:19:43
